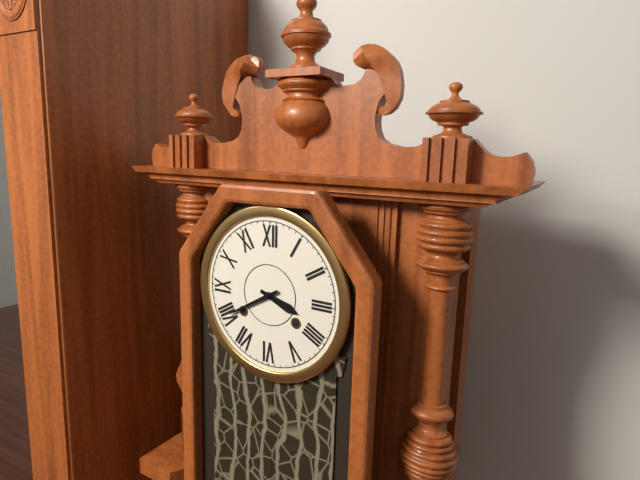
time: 3:40
